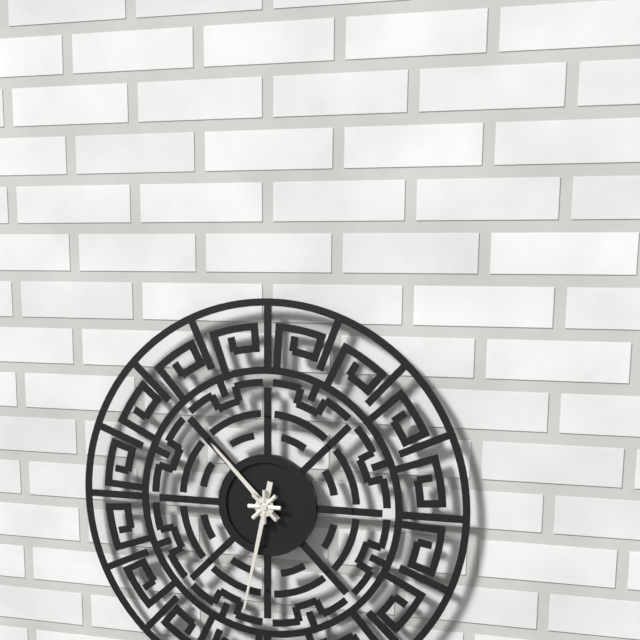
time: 10:32
